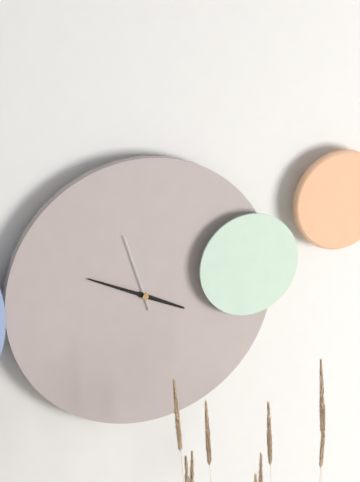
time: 3:49:57
